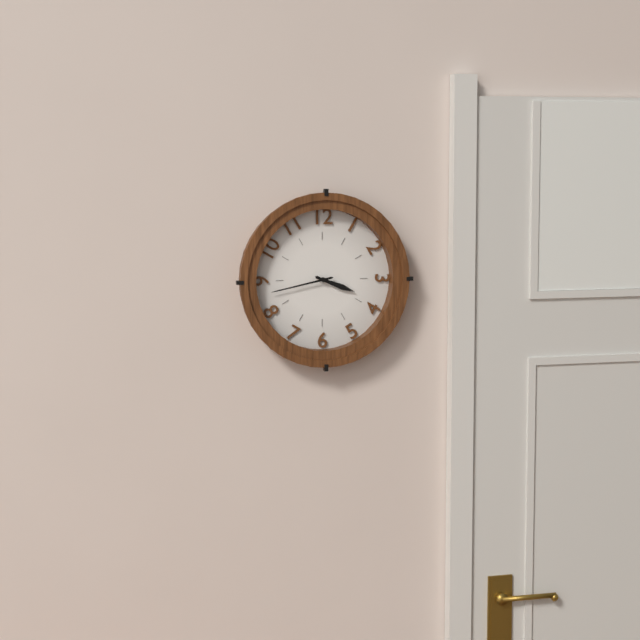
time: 3:43
